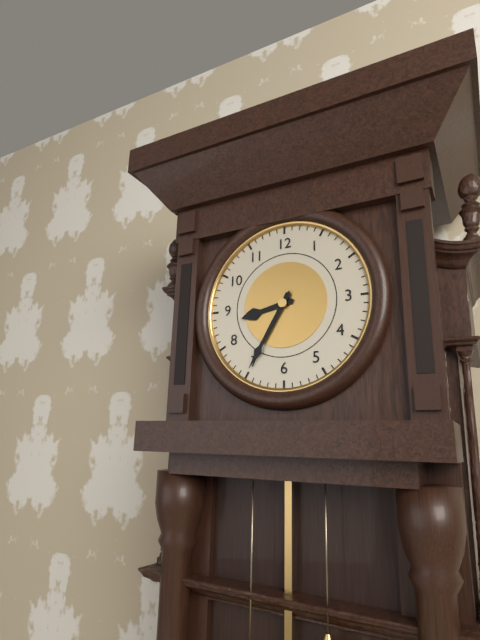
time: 8:35
